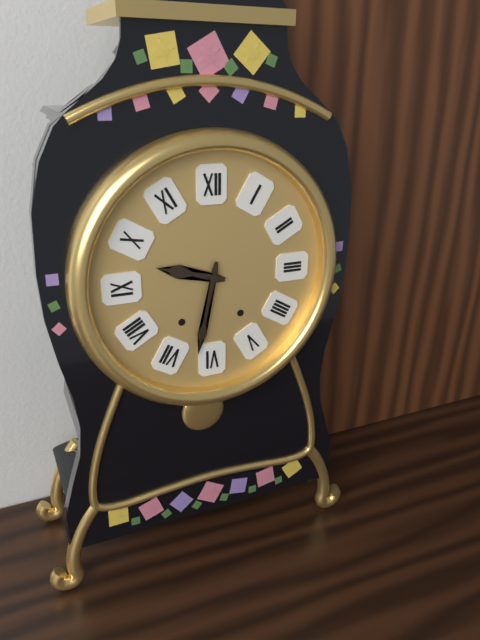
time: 9:32
